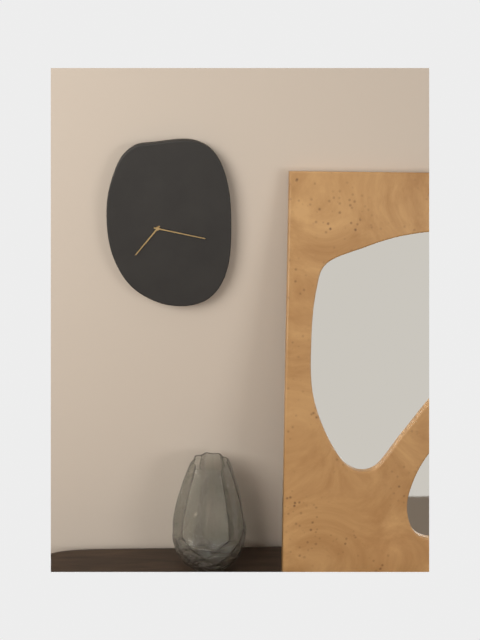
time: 7:17
